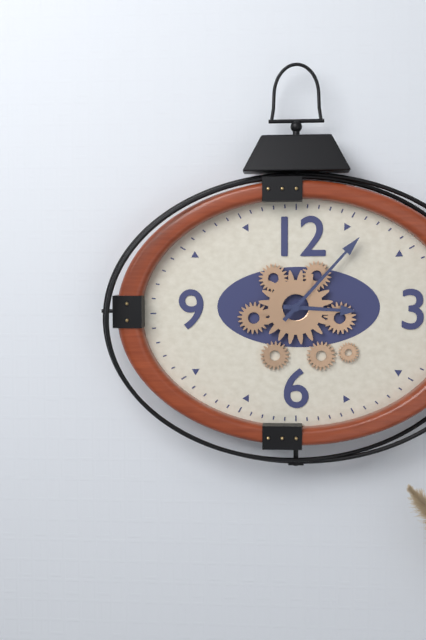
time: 3:07
